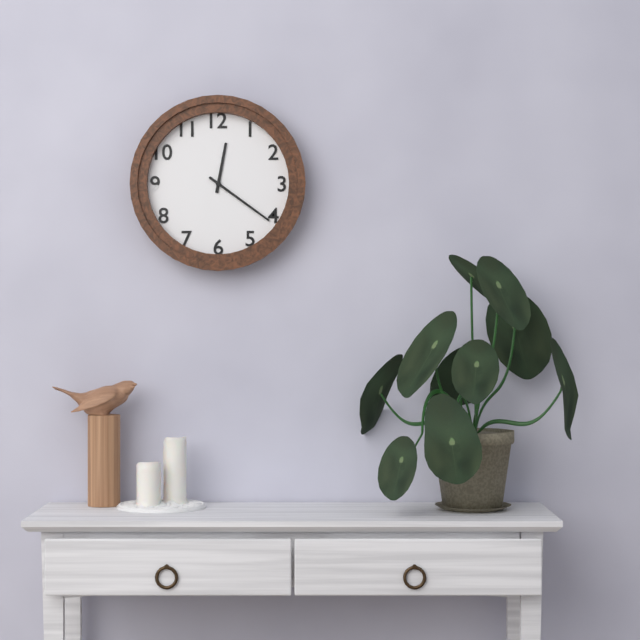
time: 12:21
